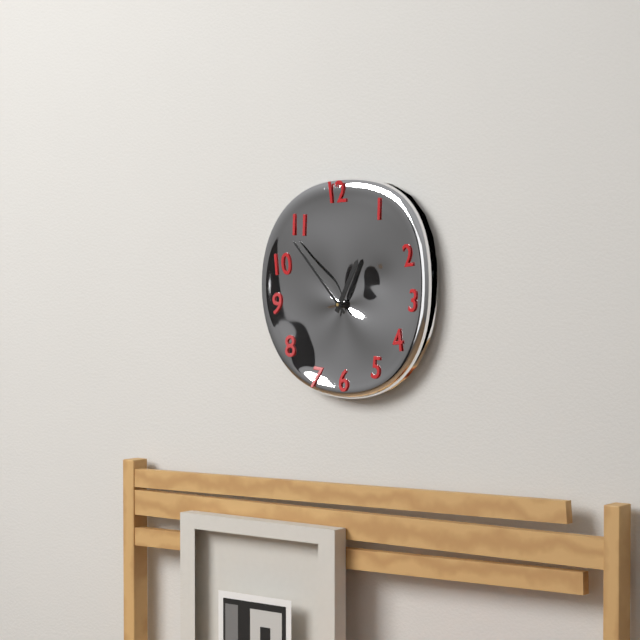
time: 12:53
